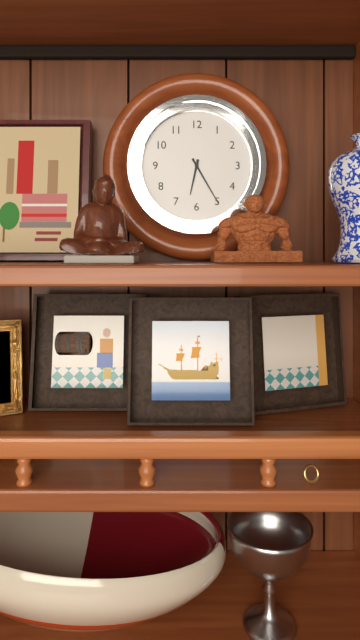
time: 6:25
